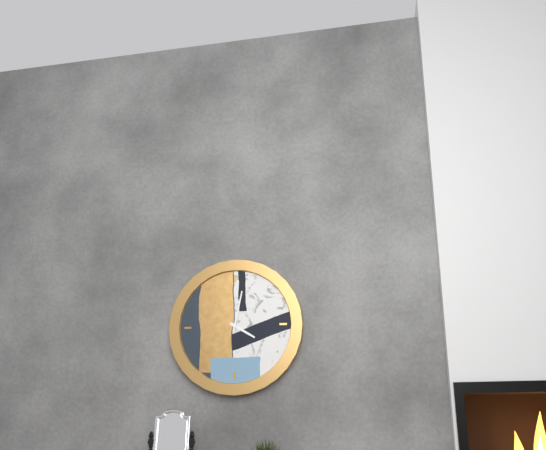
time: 4:02
